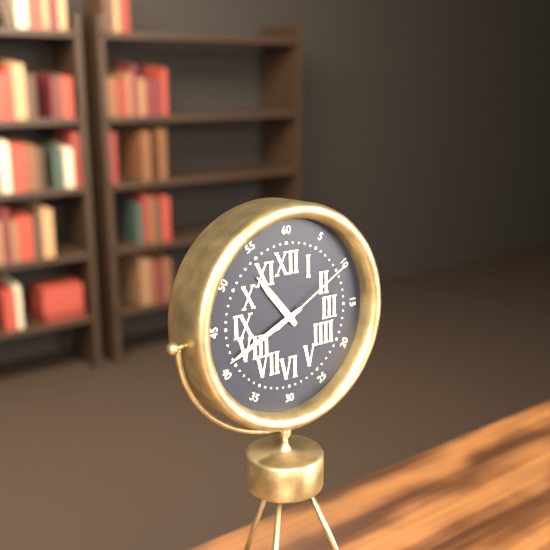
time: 10:41:10
